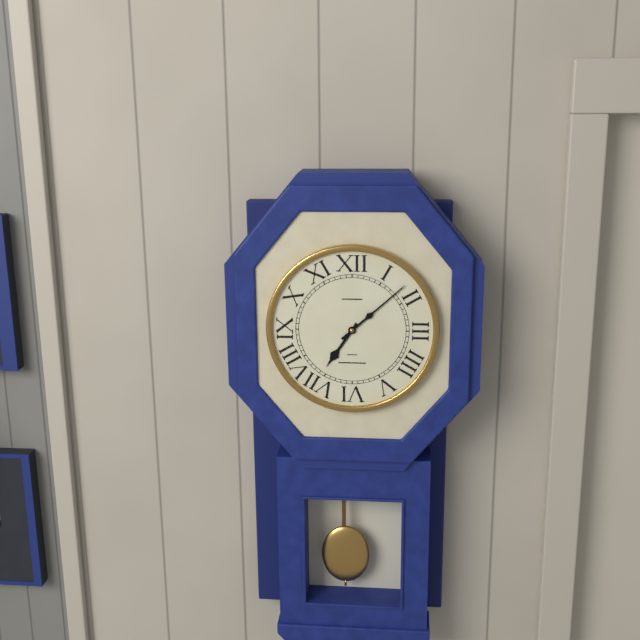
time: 7:08
